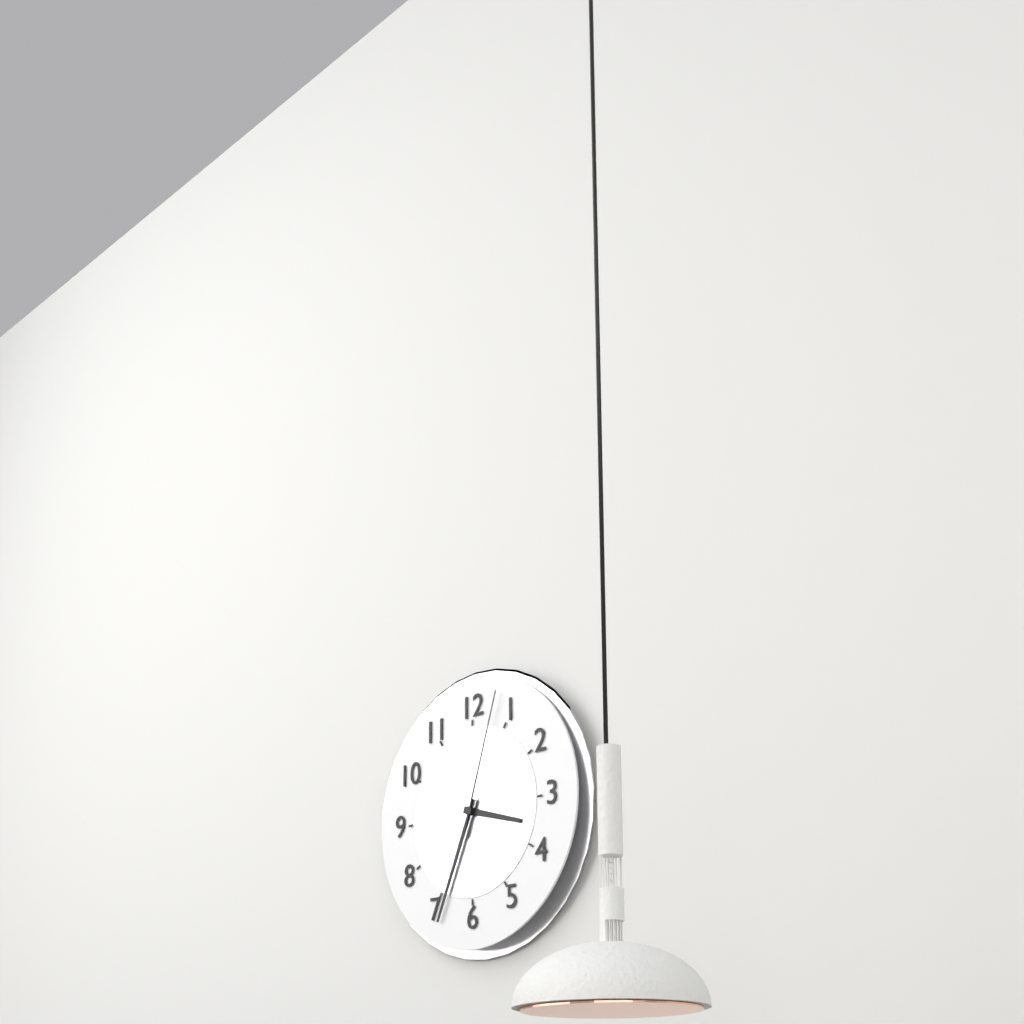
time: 3:34:03
